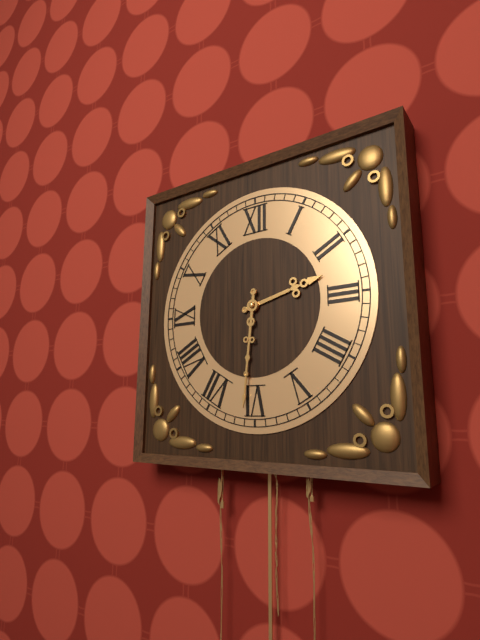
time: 2:31
